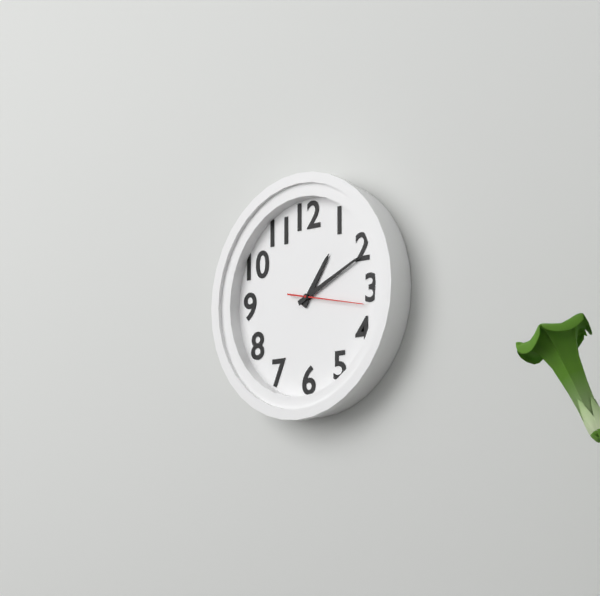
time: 1:11:17
